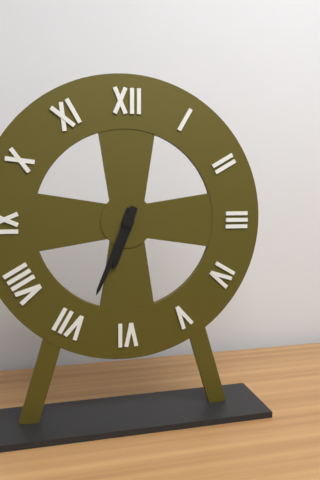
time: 6:34
